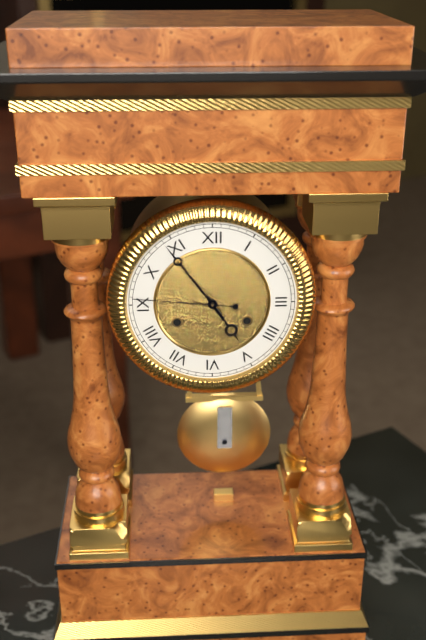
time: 4:54:46
